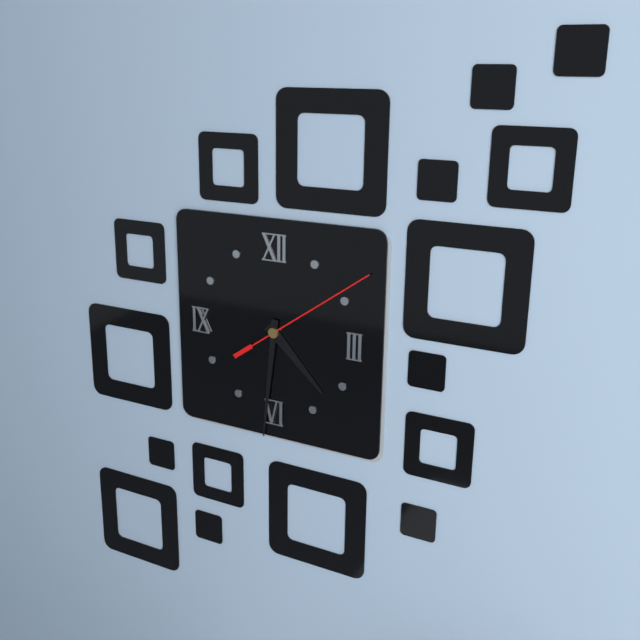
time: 4:31:09
